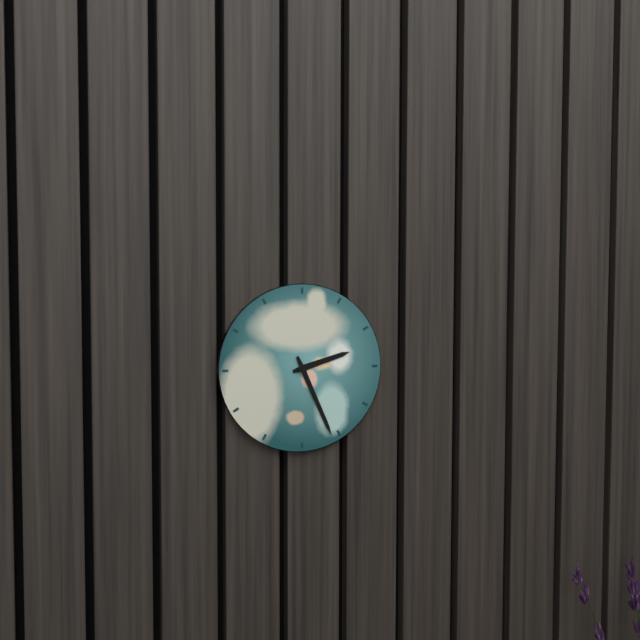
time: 2:26
